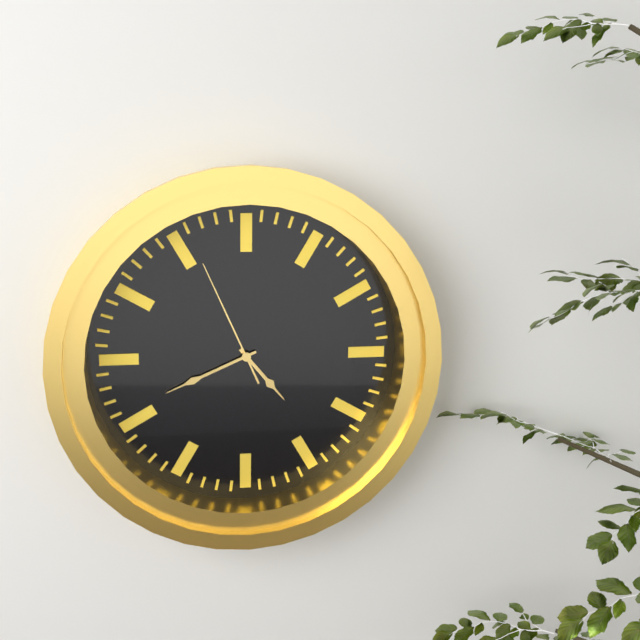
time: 4:41:56
